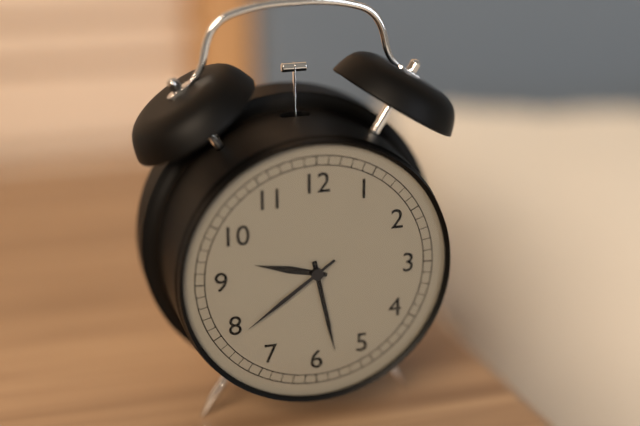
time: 9:28:39
